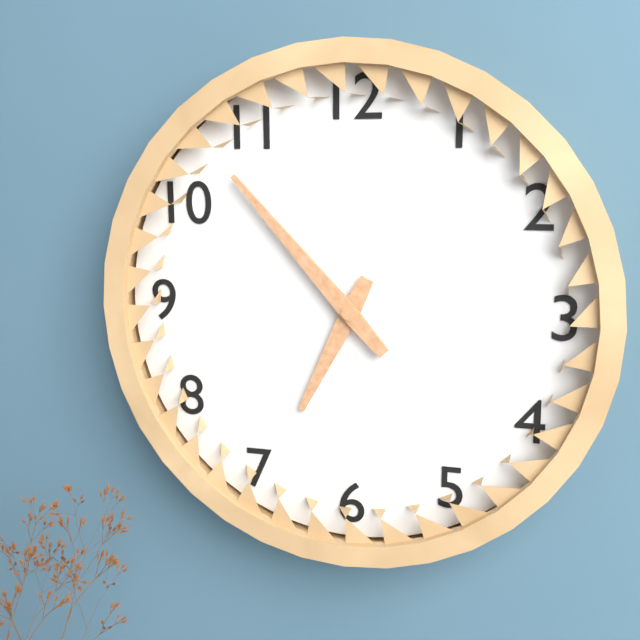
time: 6:53
